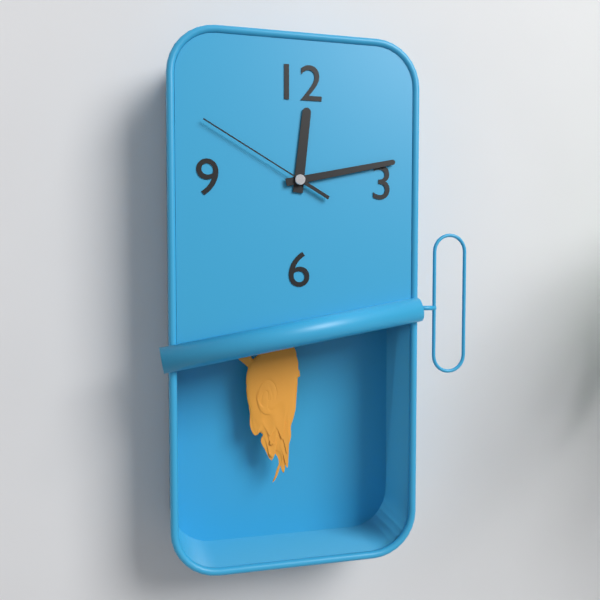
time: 12:13:50
